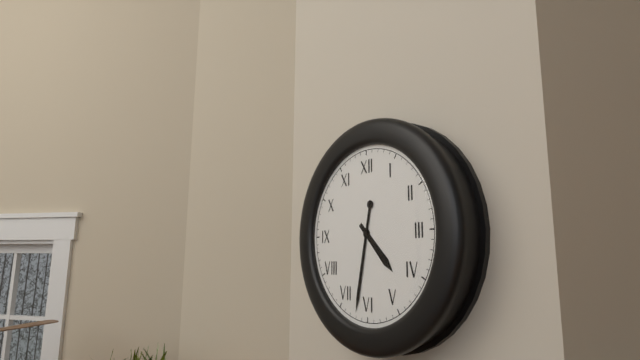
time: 4:32
